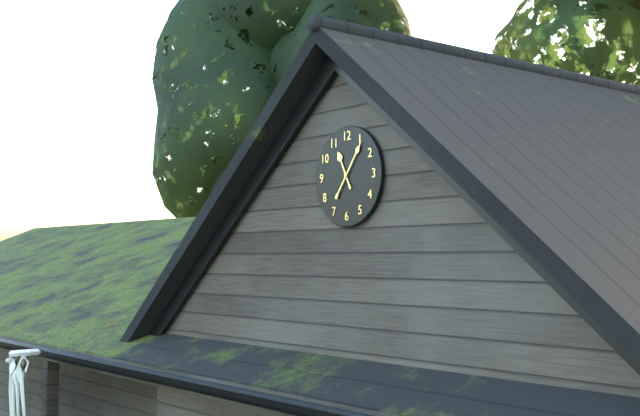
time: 11:06
